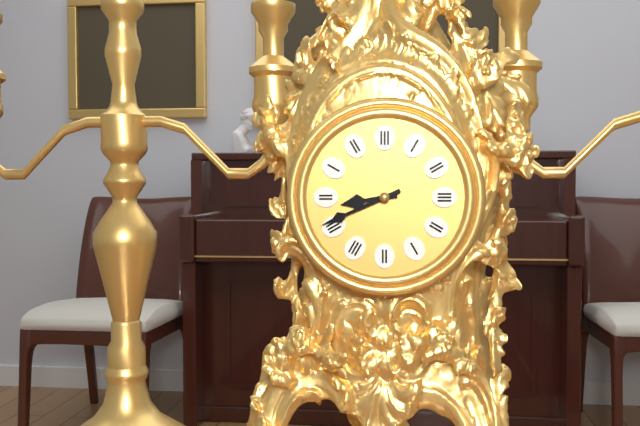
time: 8:41
